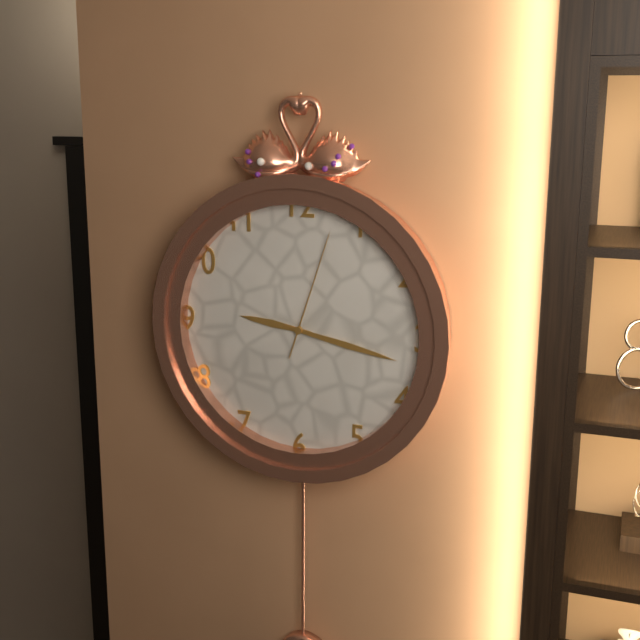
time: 9:17:03
